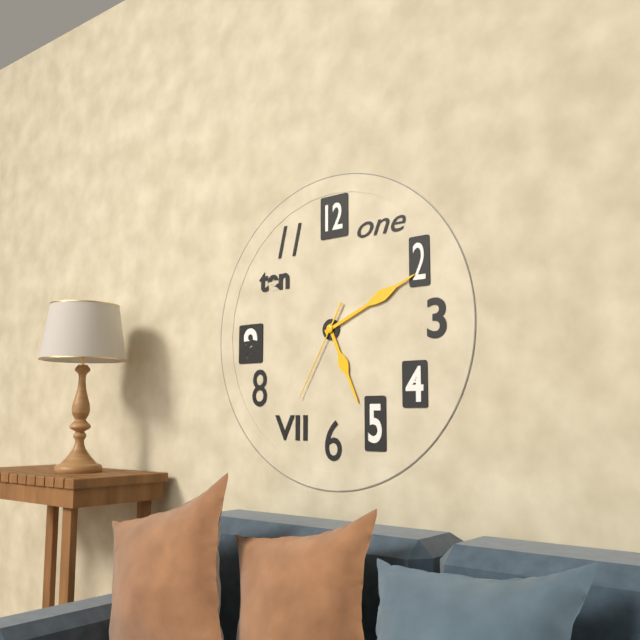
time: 5:11:35
